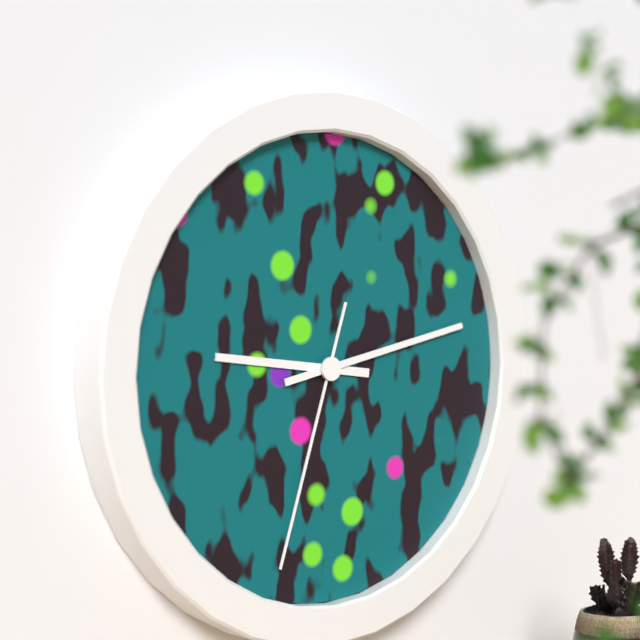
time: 9:13:33
